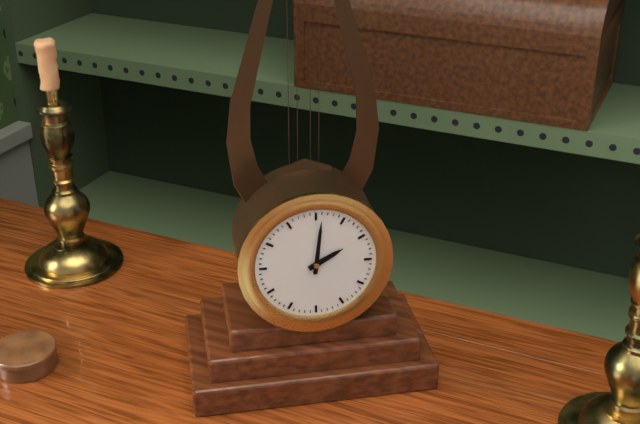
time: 2:01
